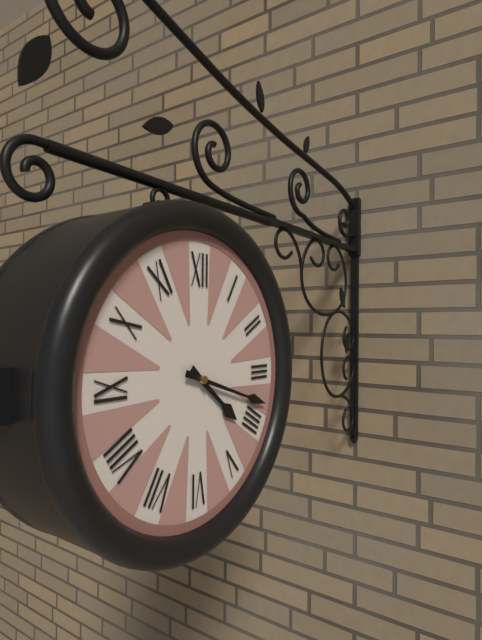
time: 4:18
